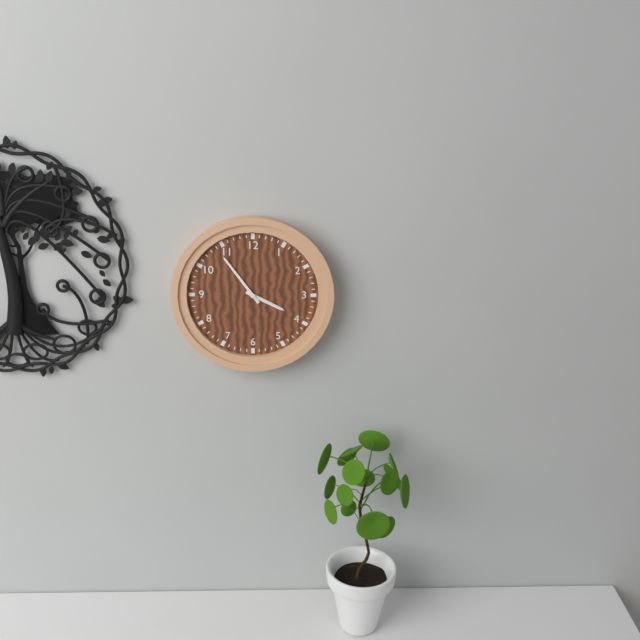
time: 3:54
